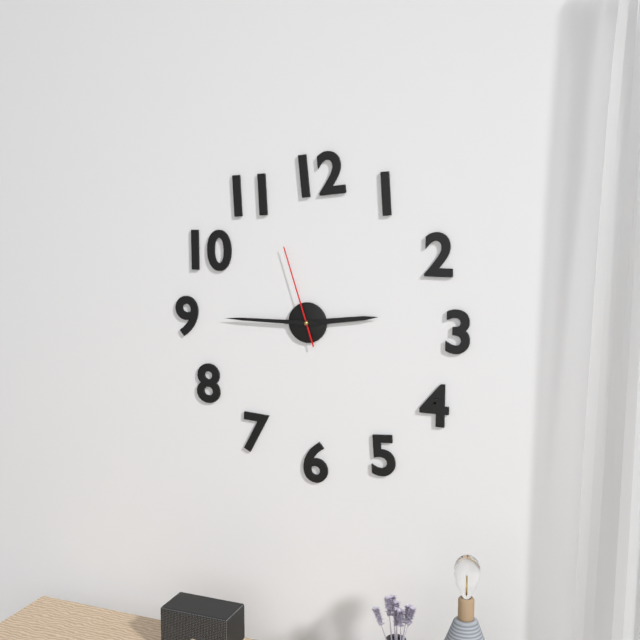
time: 2:45:57
